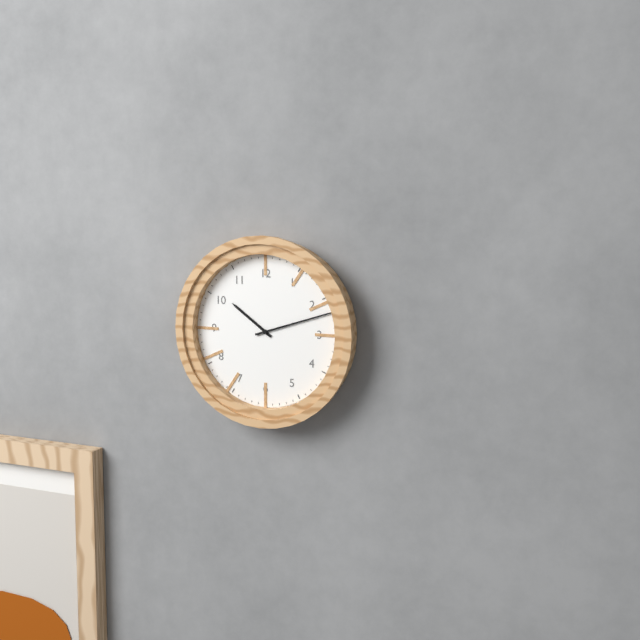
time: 10:12
